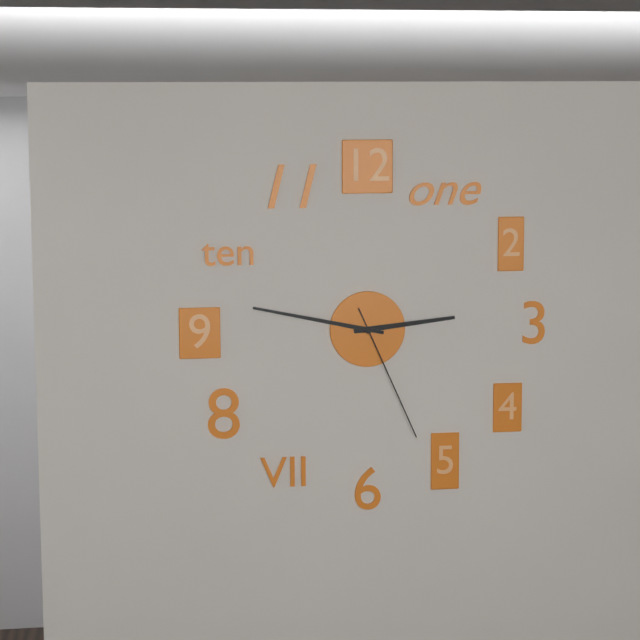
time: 2:47:26
